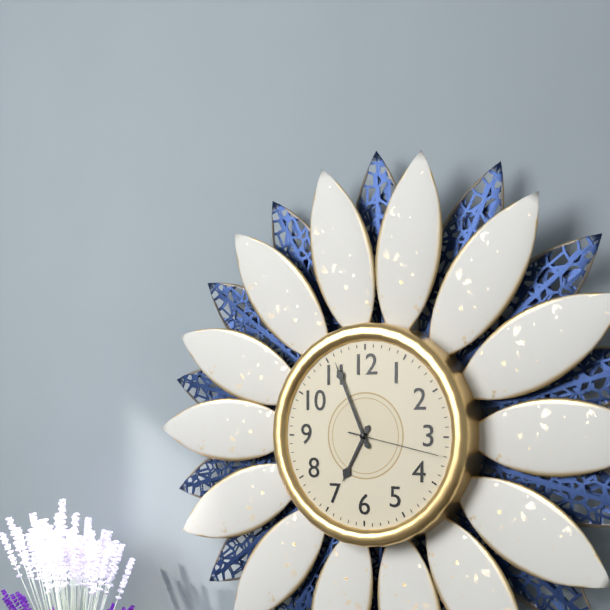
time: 6:56:17
